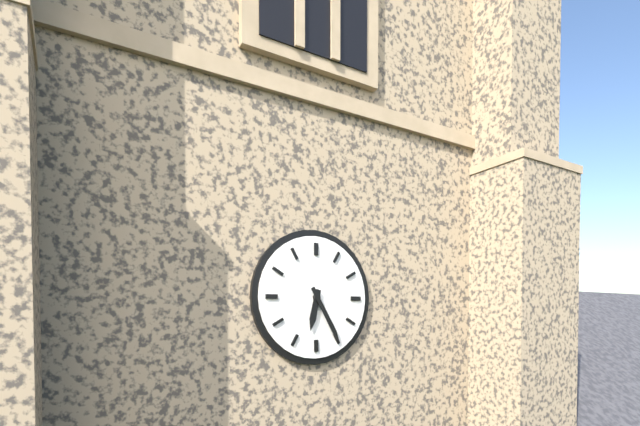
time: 6:25
